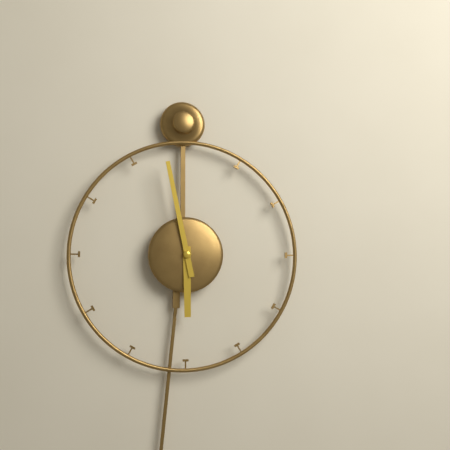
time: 5:58
